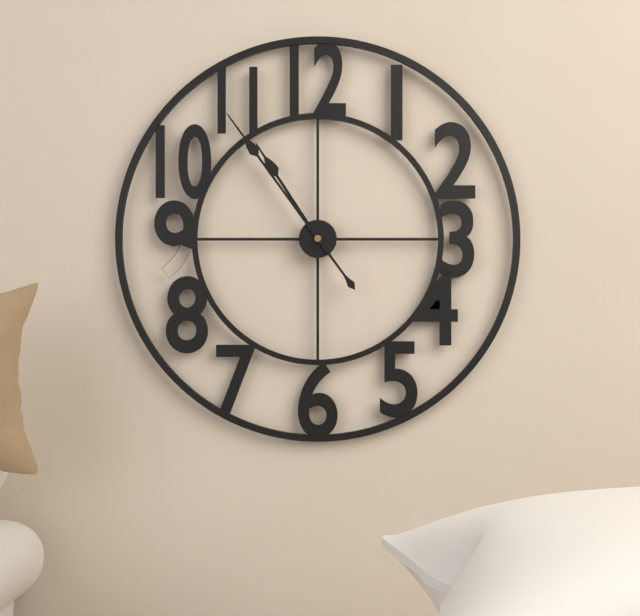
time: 10:54
